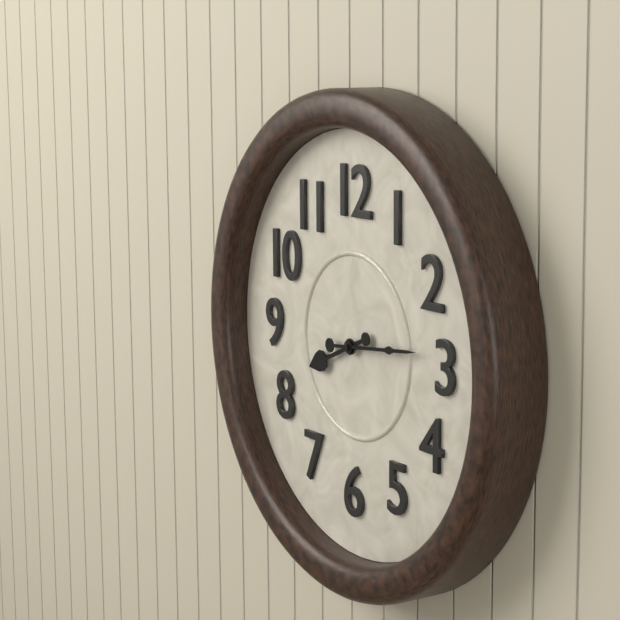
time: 8:14
